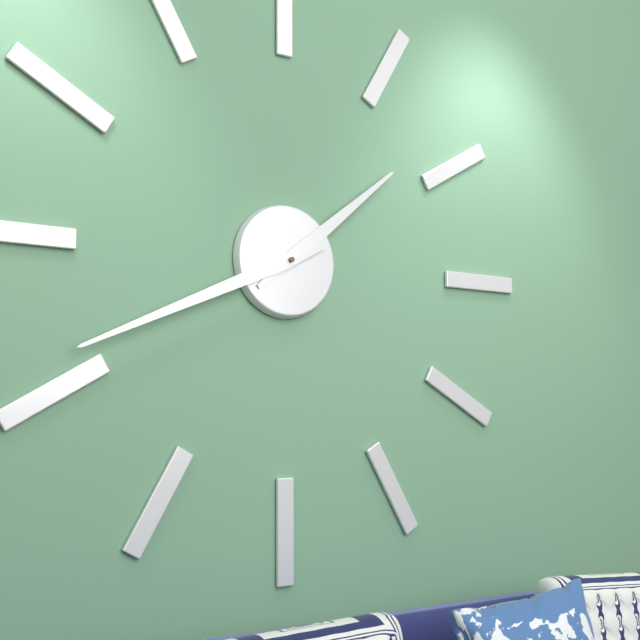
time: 1:41
